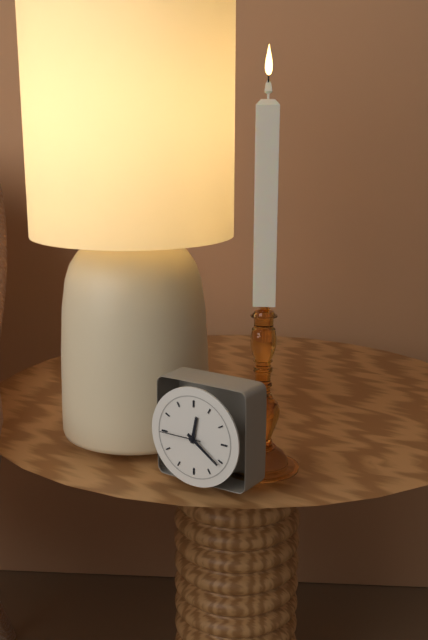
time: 12:21:45
